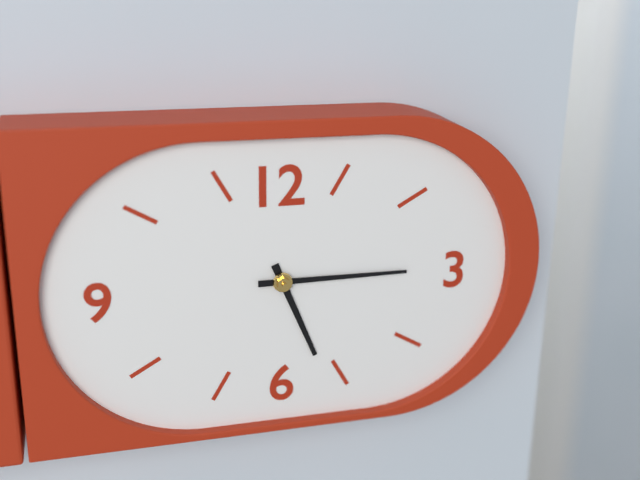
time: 5:15
